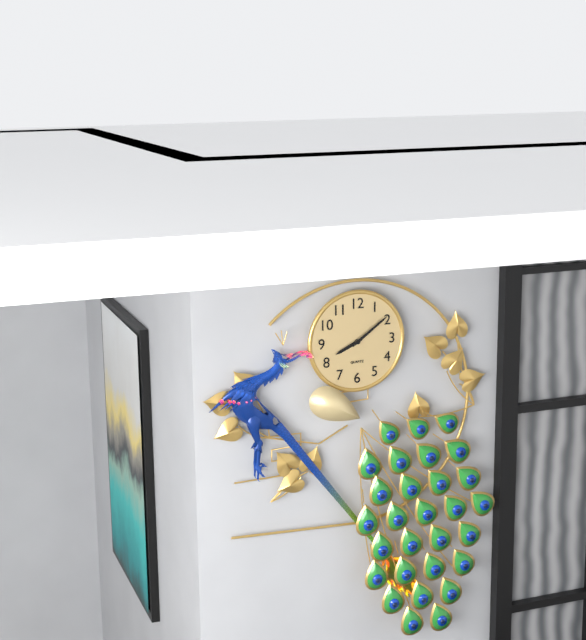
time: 8:09
